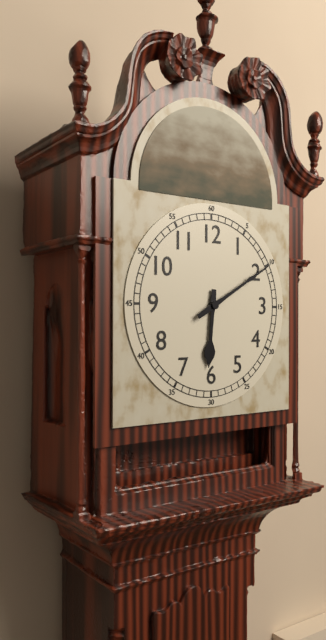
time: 6:10
